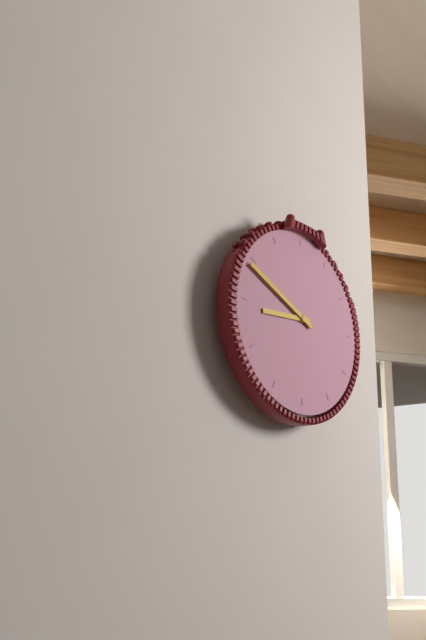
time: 8:49
